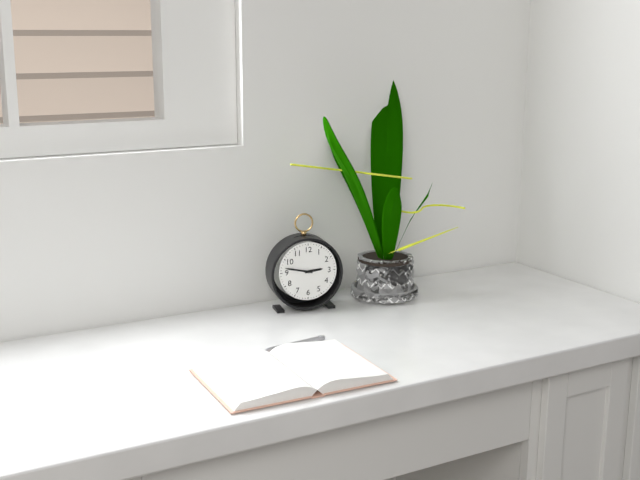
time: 2:47
